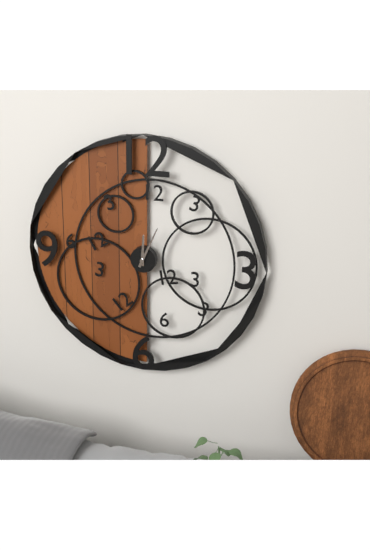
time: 12:04
